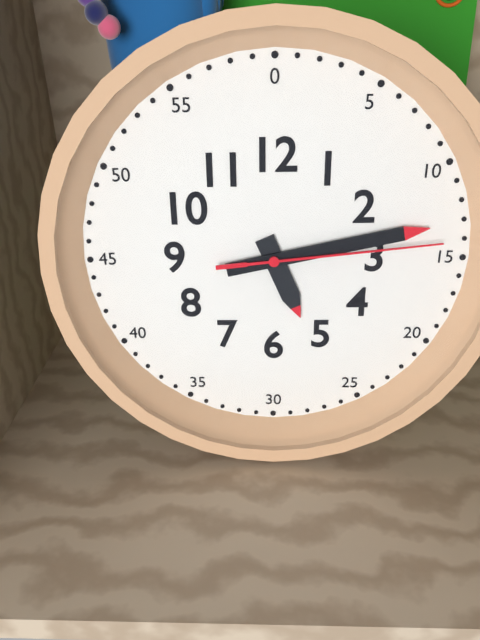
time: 5:13:14
